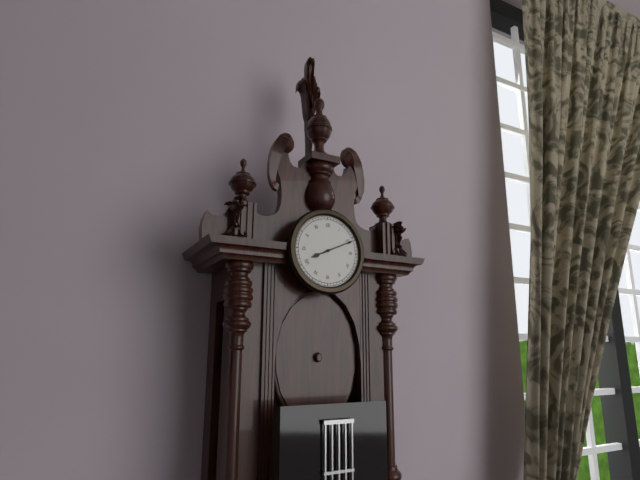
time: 8:11
